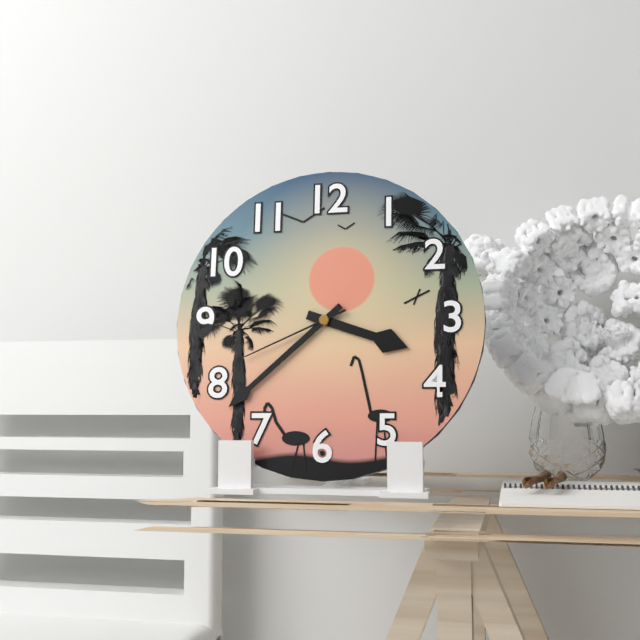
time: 3:38:41
